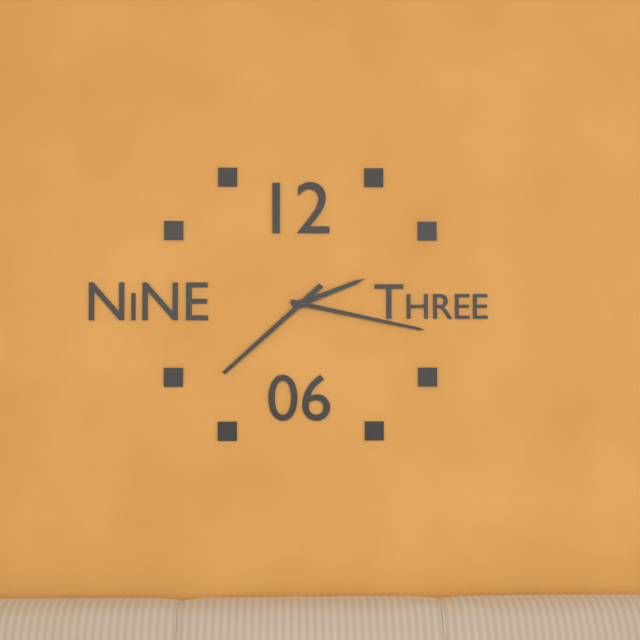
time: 2:17:38
